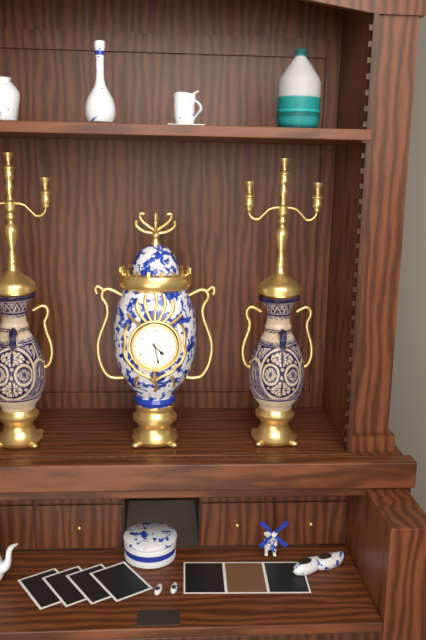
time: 4:28
